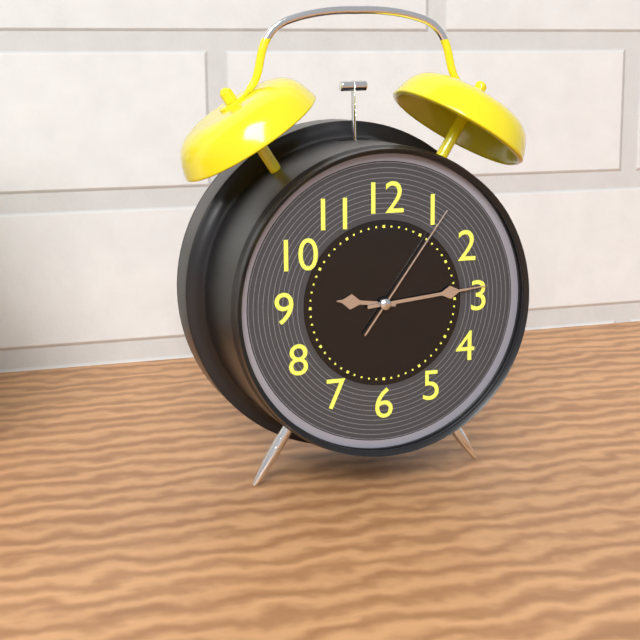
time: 9:14:06
